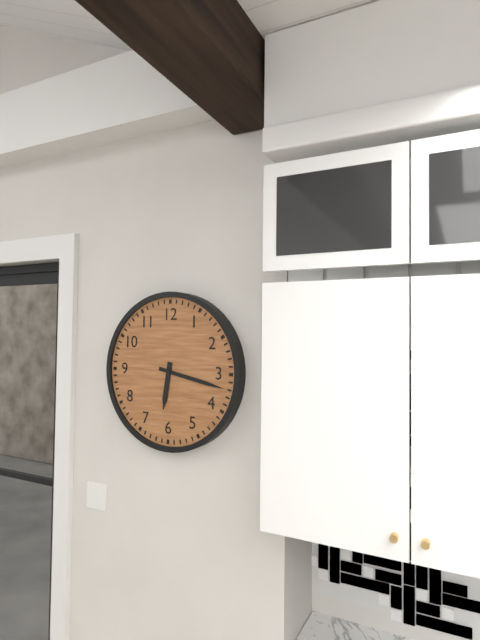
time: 6:17
